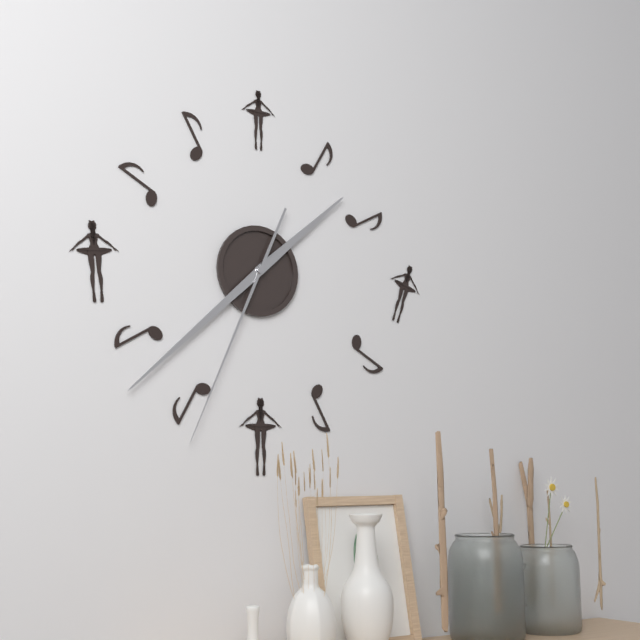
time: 1:38:34
